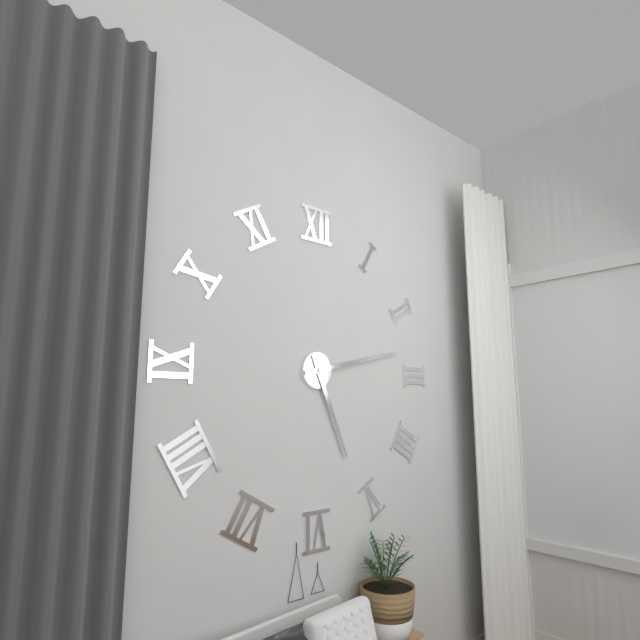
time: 5:13
